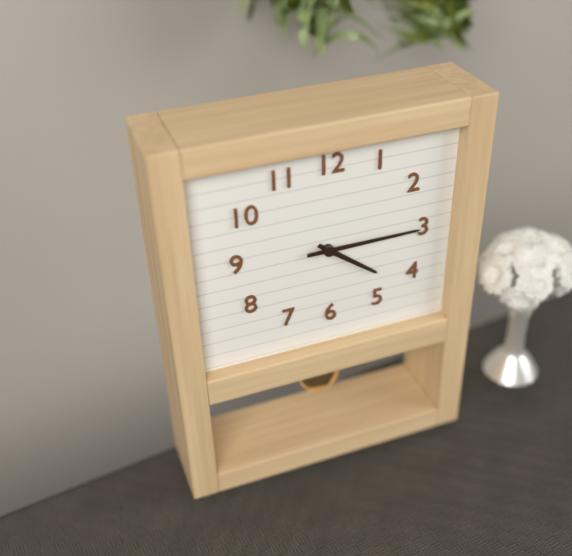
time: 4:15
